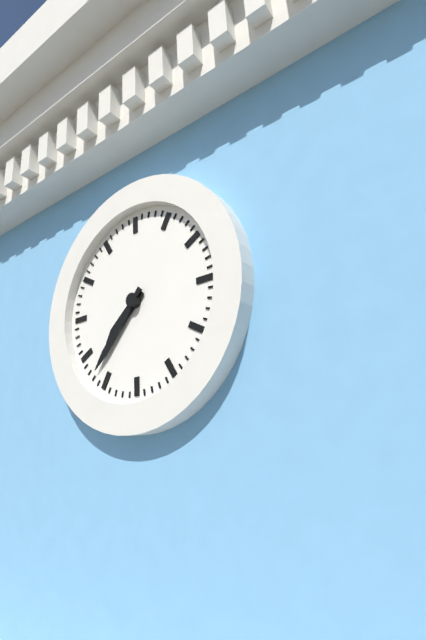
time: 7:37
